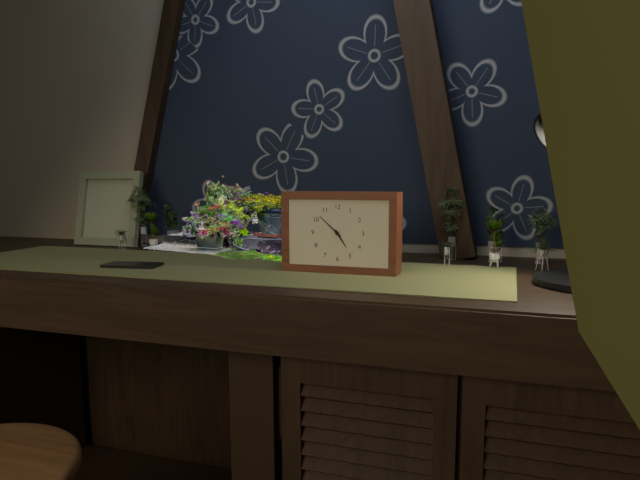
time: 4:52
